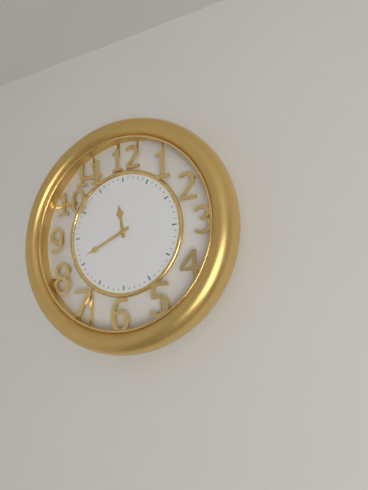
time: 11:41
